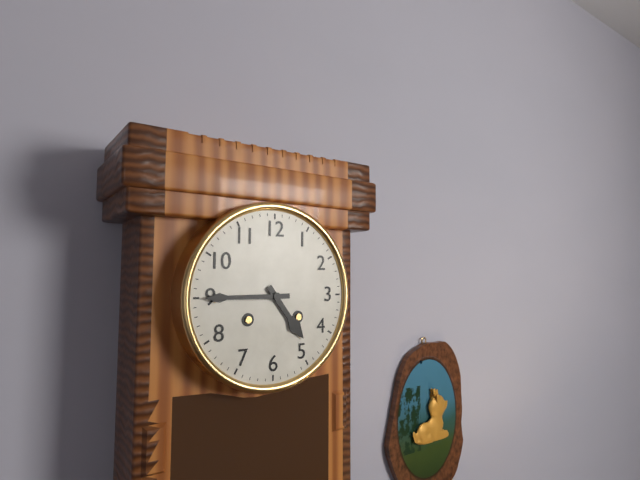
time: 4:45
